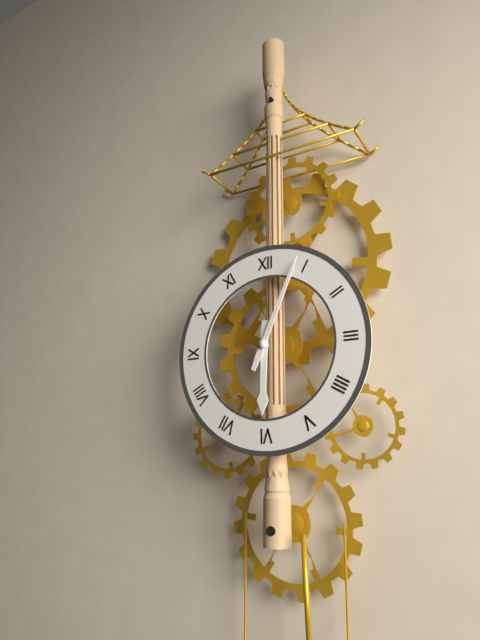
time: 6:04
